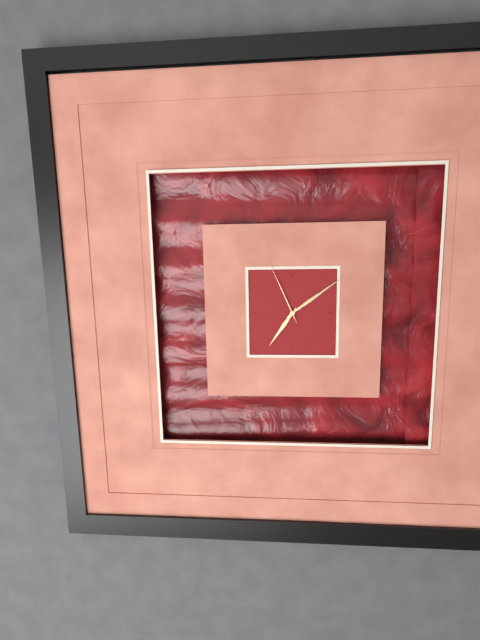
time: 7:09:56
